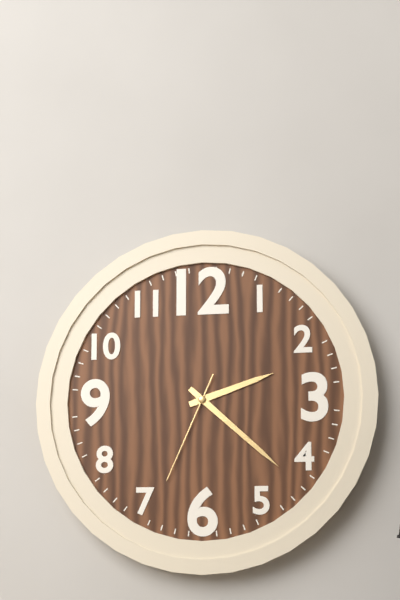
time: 2:22:34
